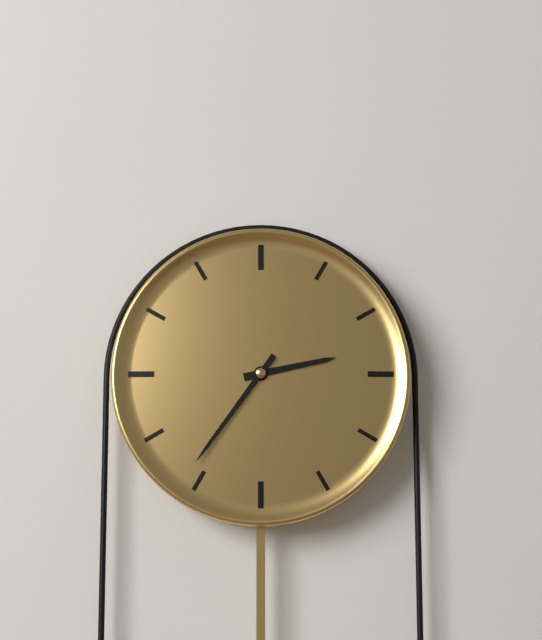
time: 2:36
